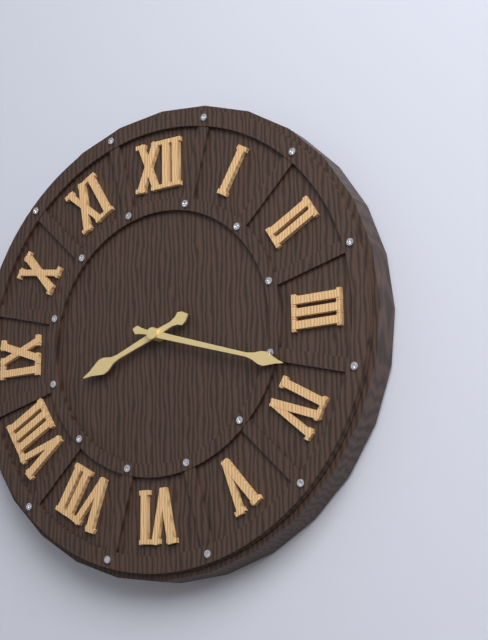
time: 8:18
